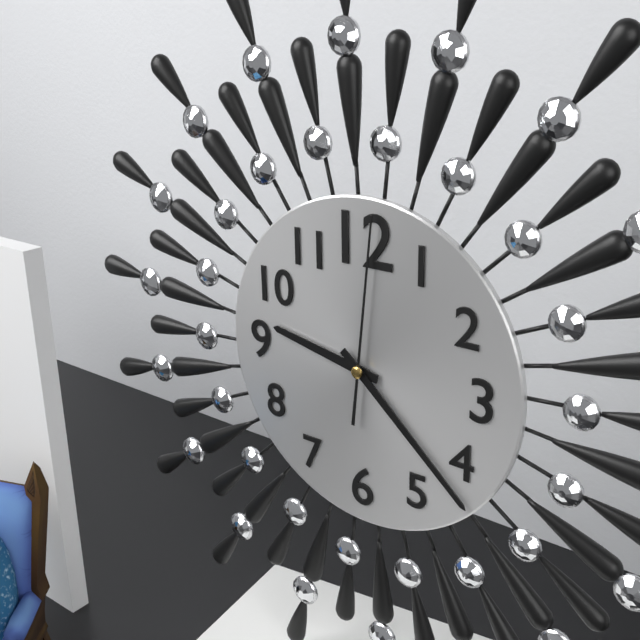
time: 9:22:01
